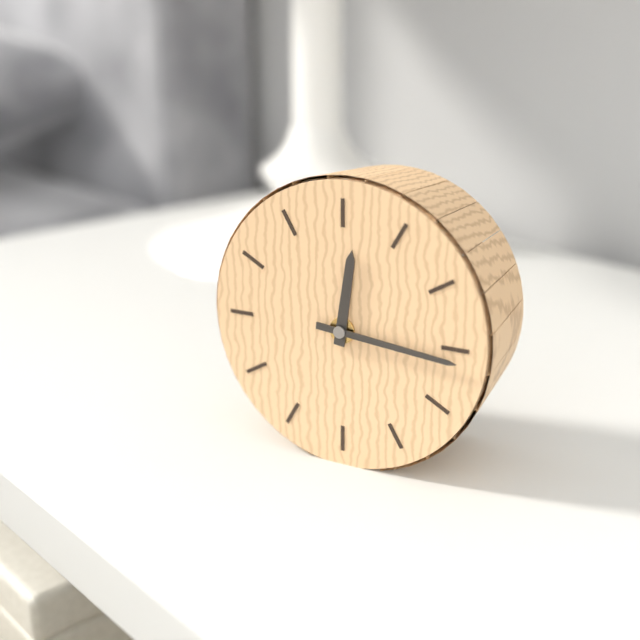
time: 12:16
